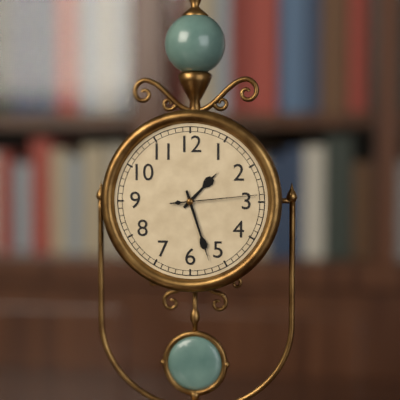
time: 1:27:14
